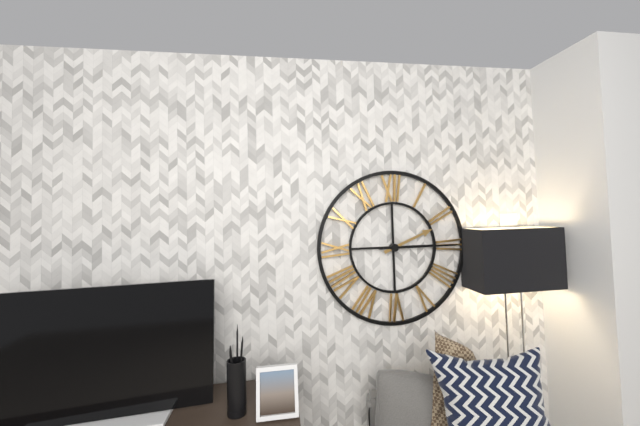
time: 2:15
